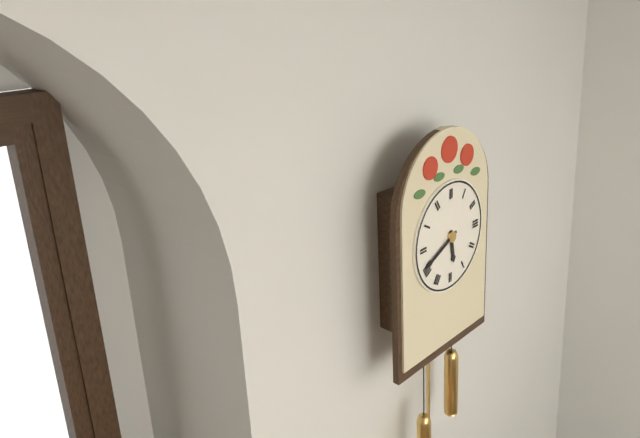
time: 5:41
